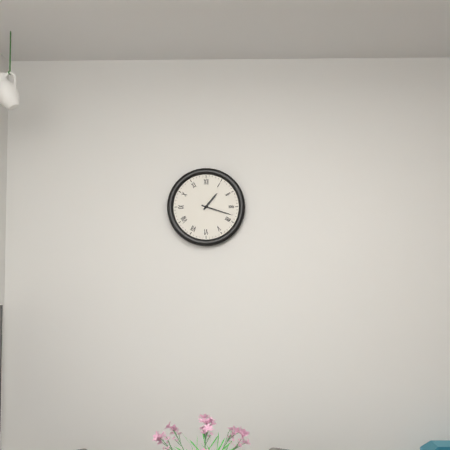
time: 1:18
